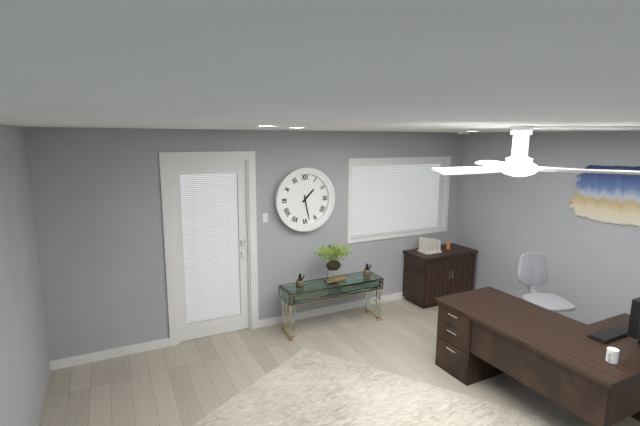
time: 1:28
